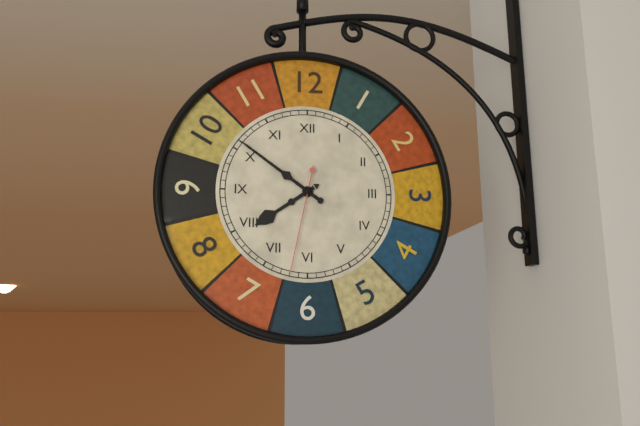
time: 7:51:32
